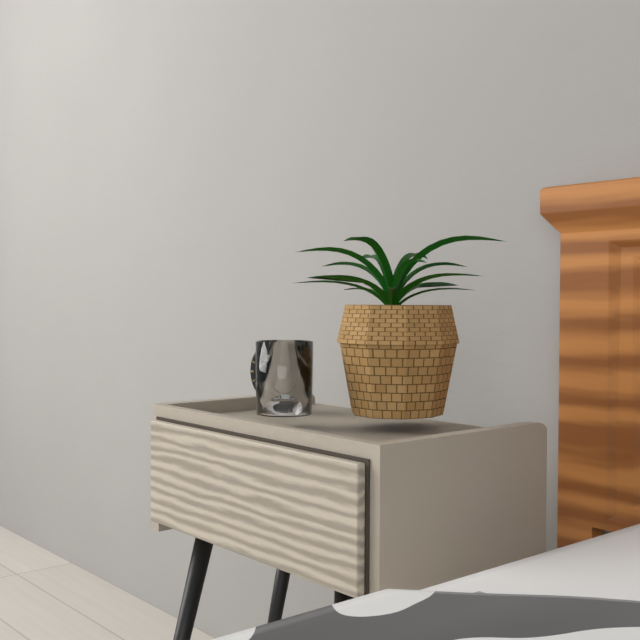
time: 9:34
